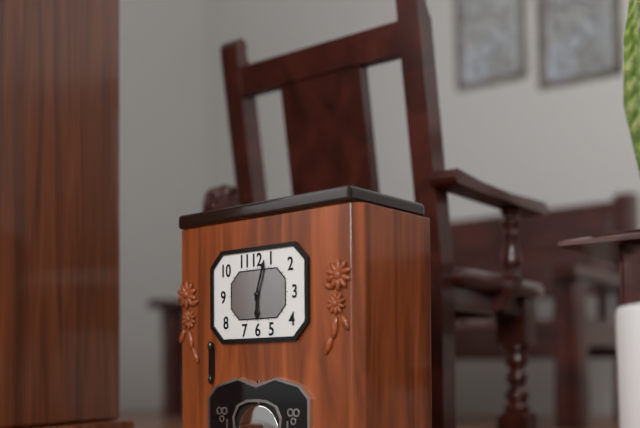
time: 6:03
